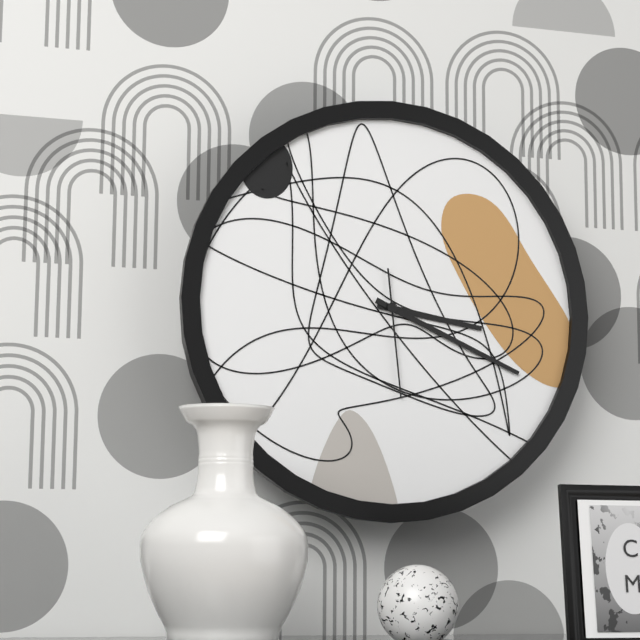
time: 3:19:29
